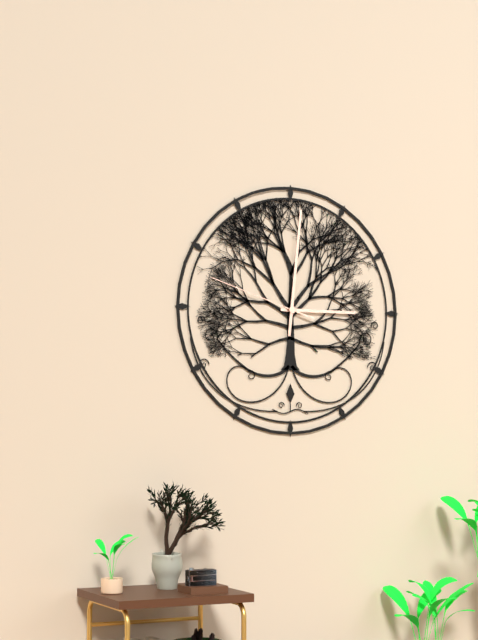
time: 3:01:48
